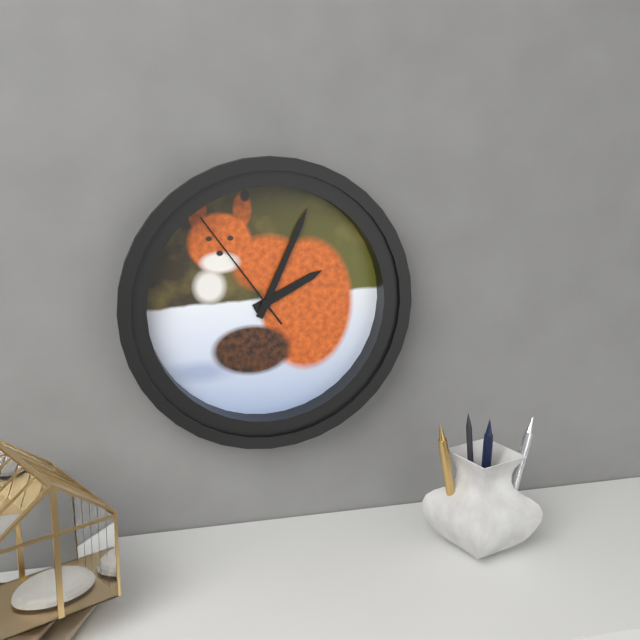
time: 2:04:54
